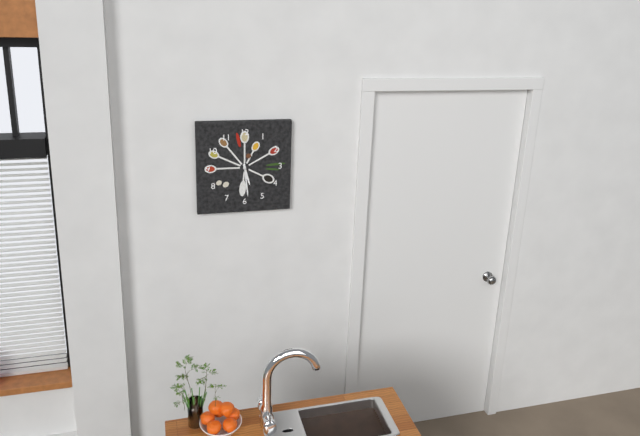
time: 5:29
